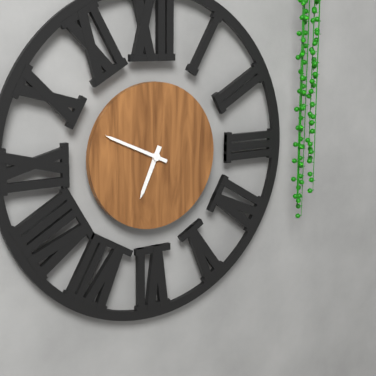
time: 6:49
